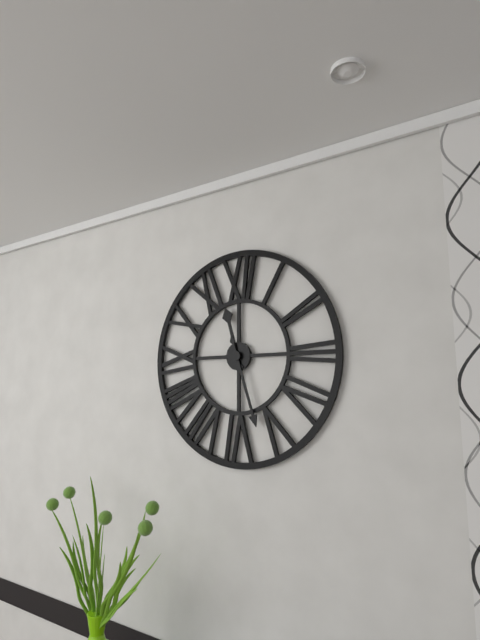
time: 11:27
